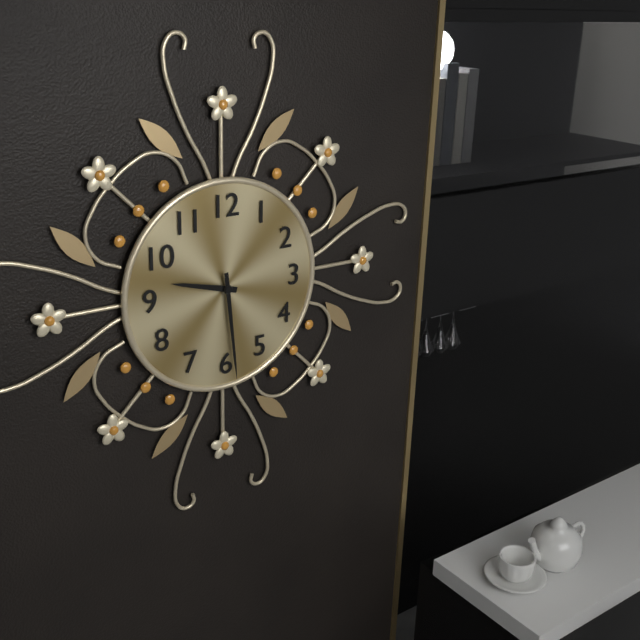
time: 9:29
